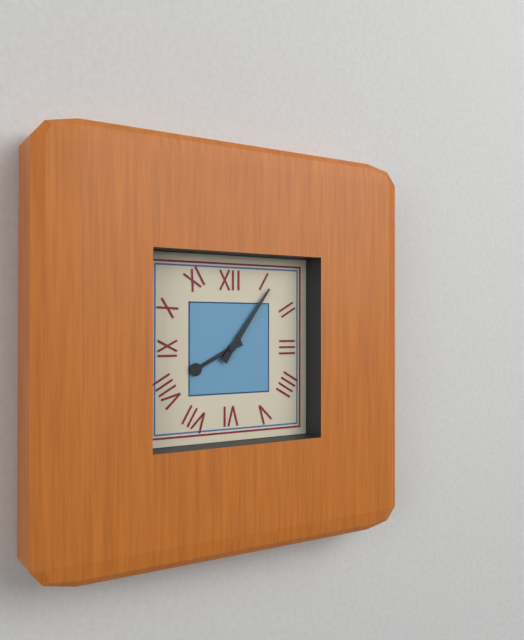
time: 8:06
